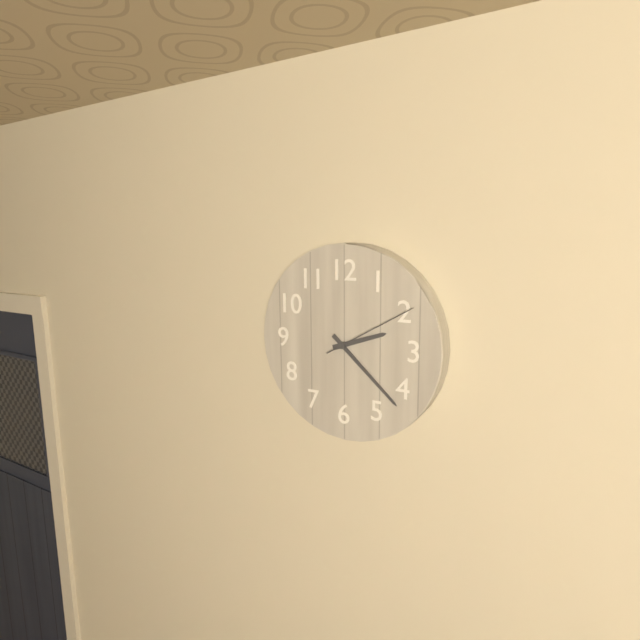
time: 2:22:10
